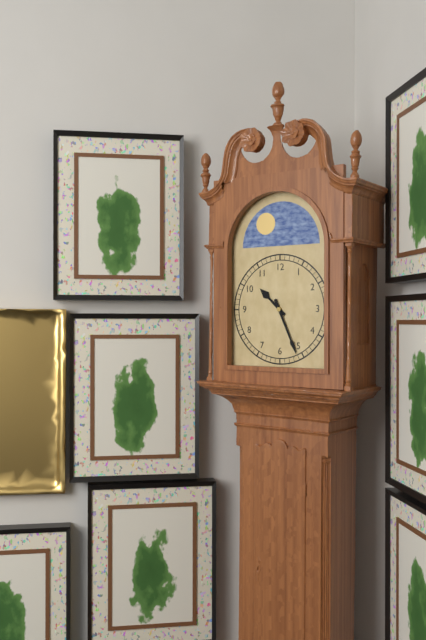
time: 10:26
